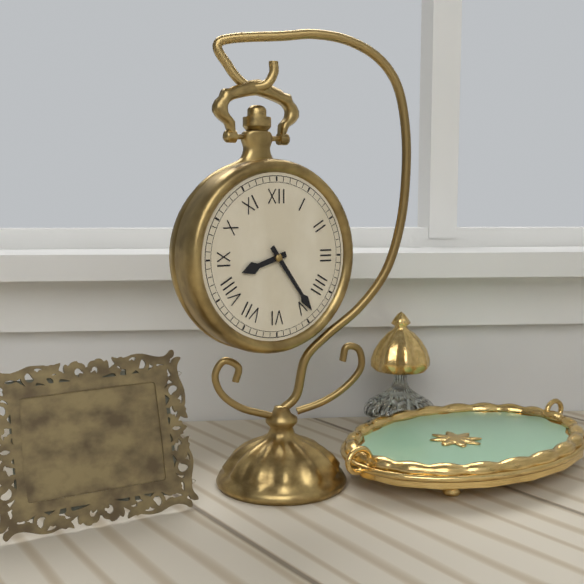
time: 8:24
